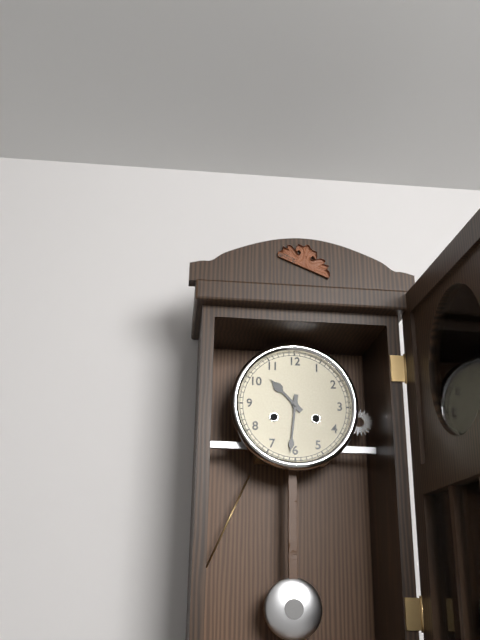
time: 10:31
